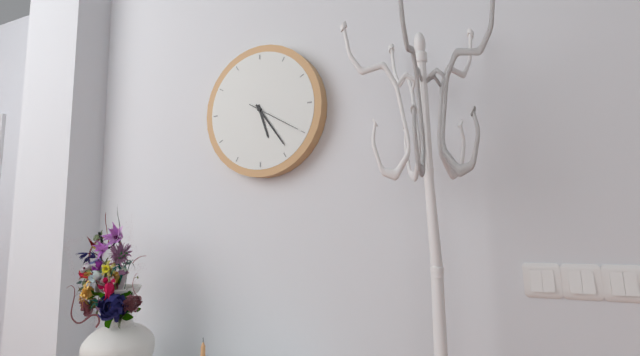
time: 5:24
